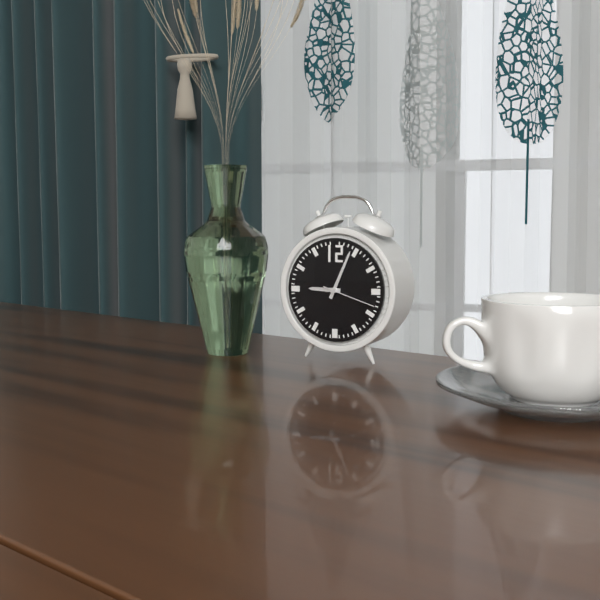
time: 9:04:18
